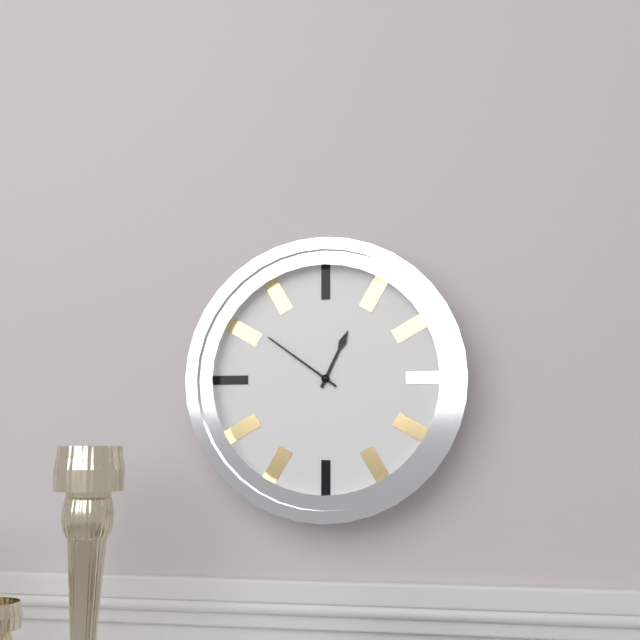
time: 12:51
